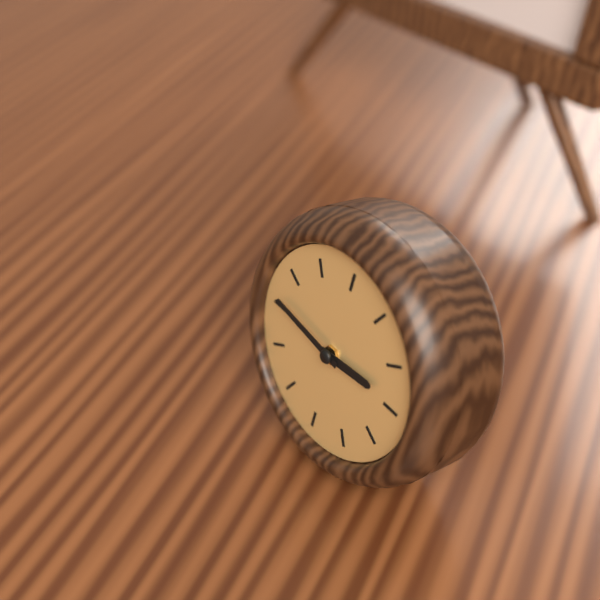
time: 2:46
